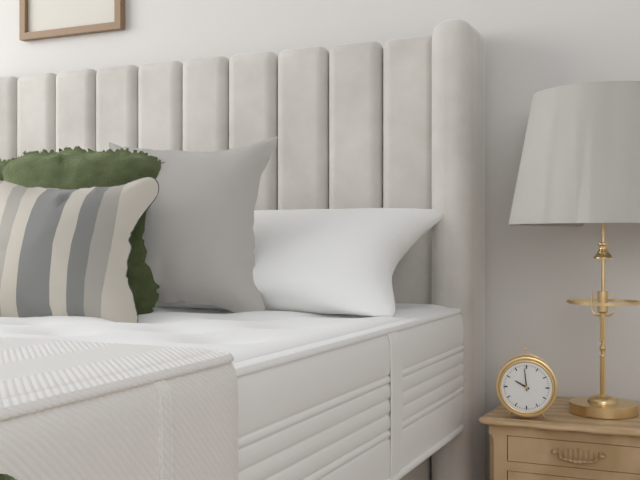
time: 9:59
